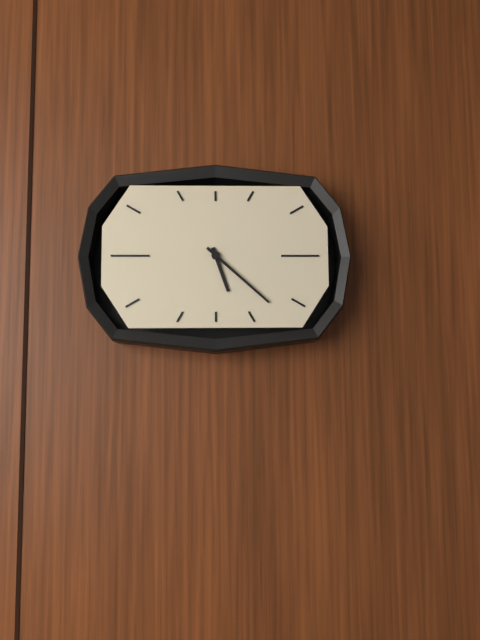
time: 5:22
